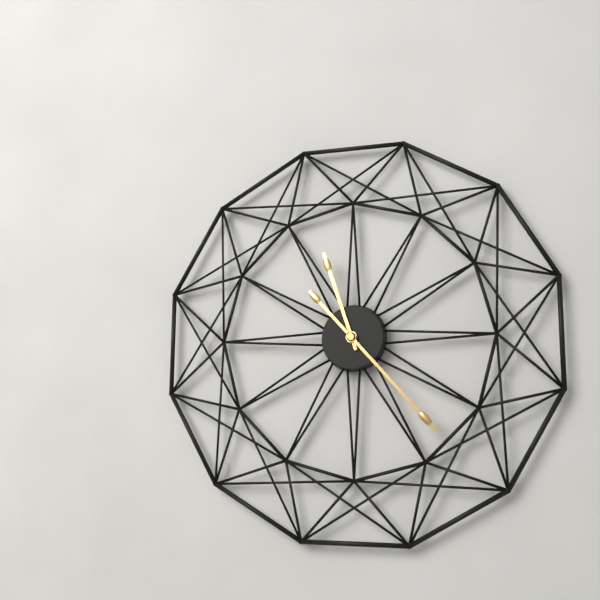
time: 11:23
